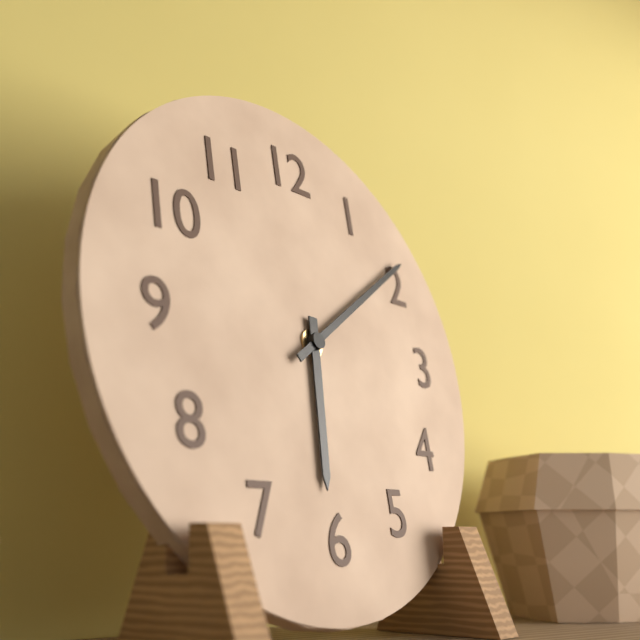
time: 6:09
